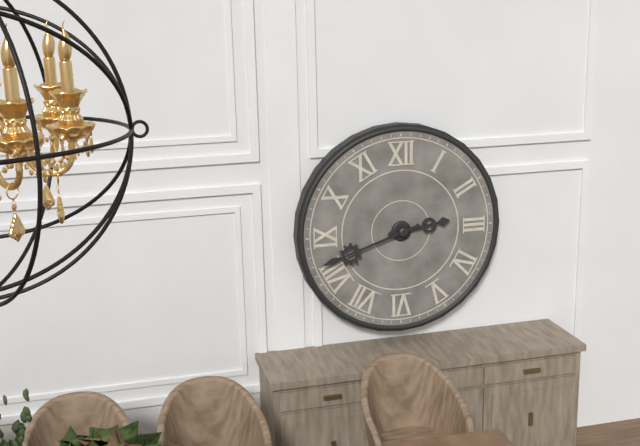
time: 2:42
